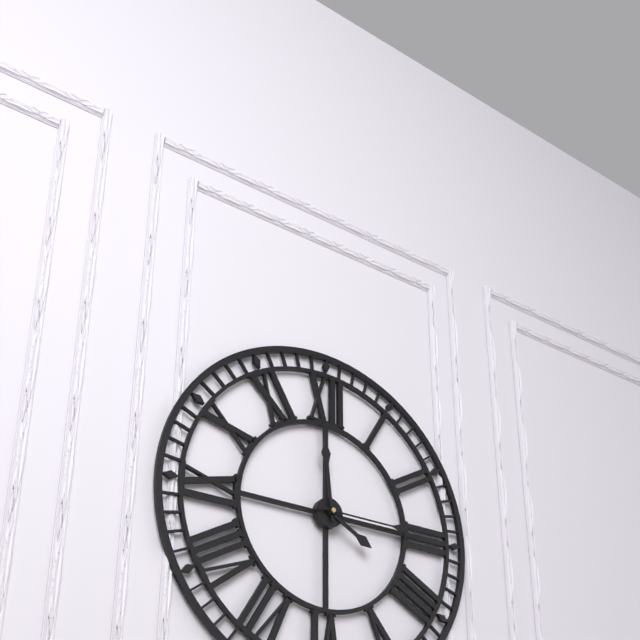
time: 3:59:15
